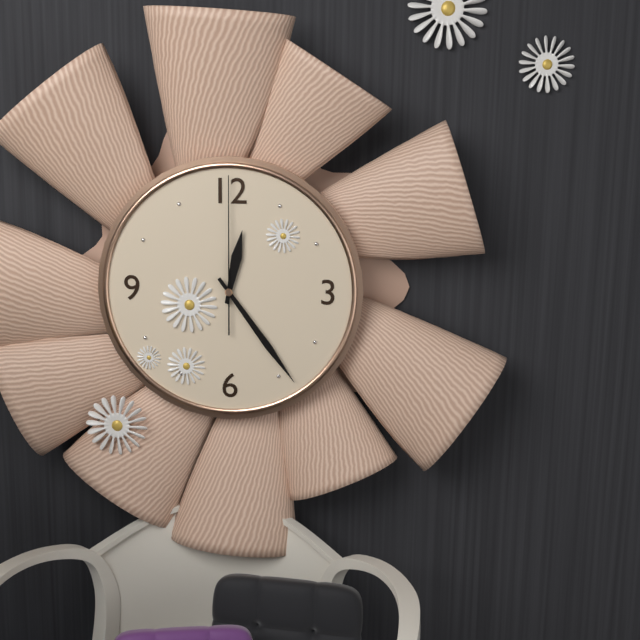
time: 12:24:00
